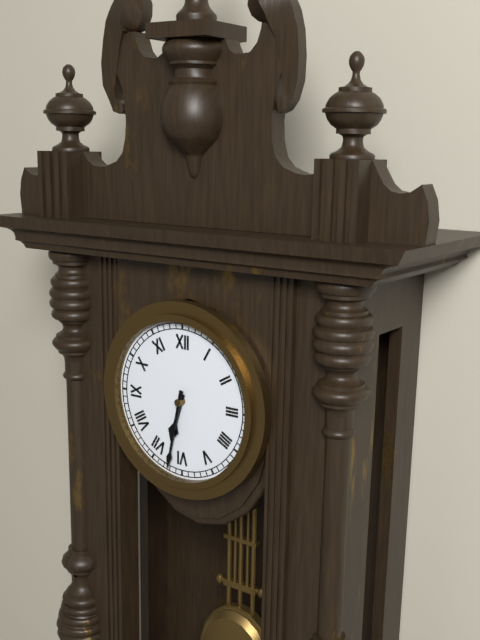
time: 6:32
